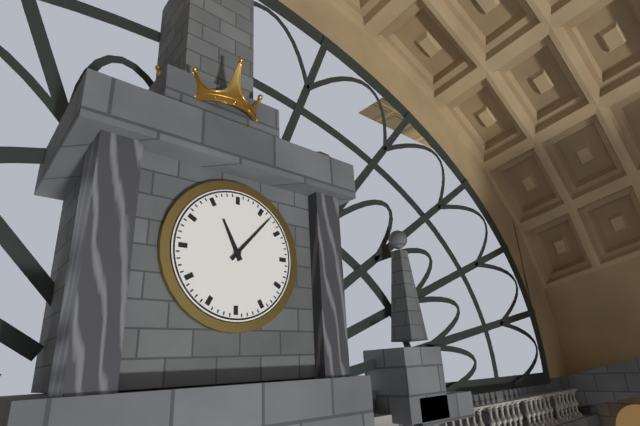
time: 11:07
